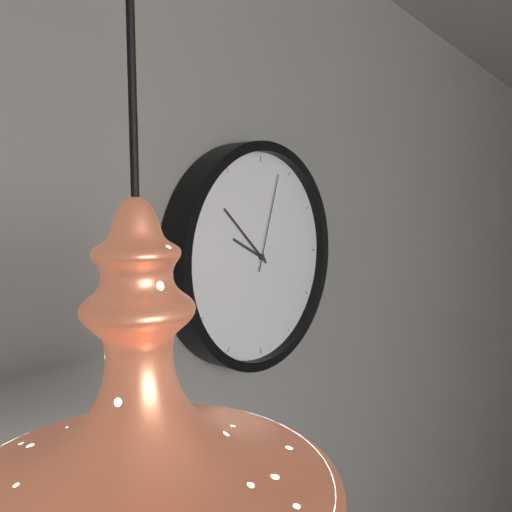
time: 9:52:03
